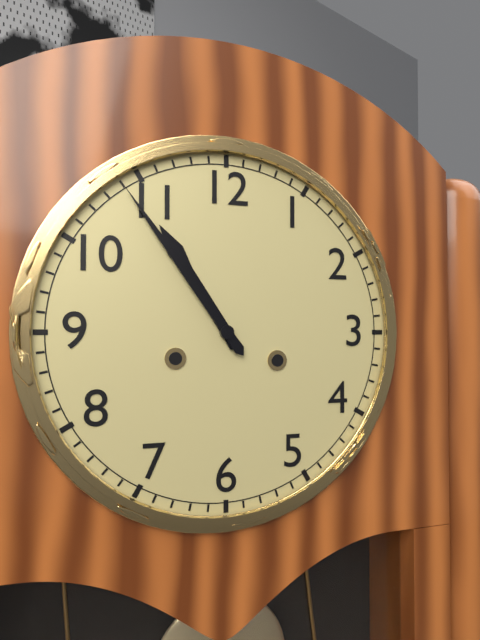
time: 10:54
